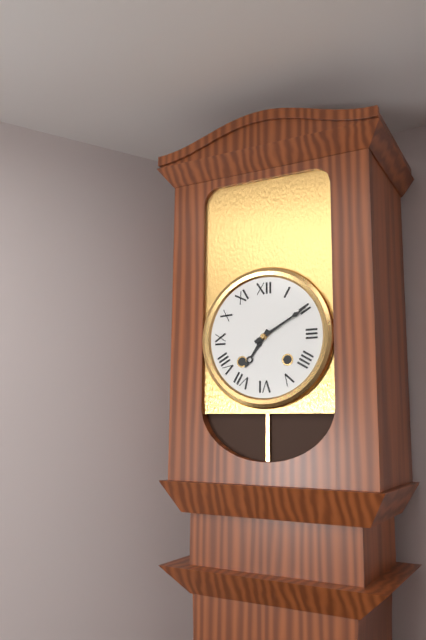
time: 7:10
